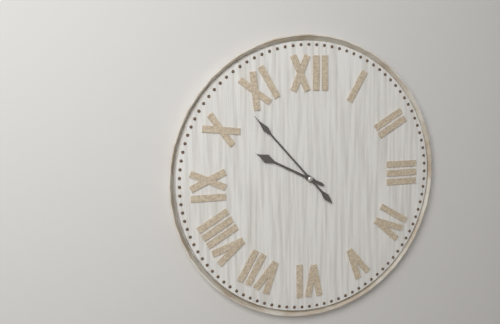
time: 9:53
